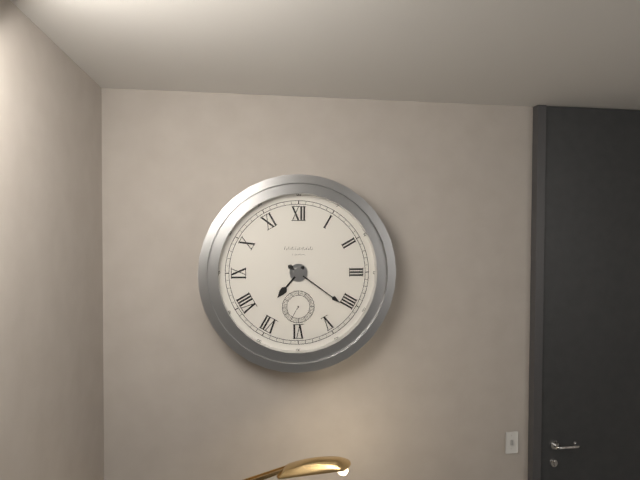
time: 7:21
